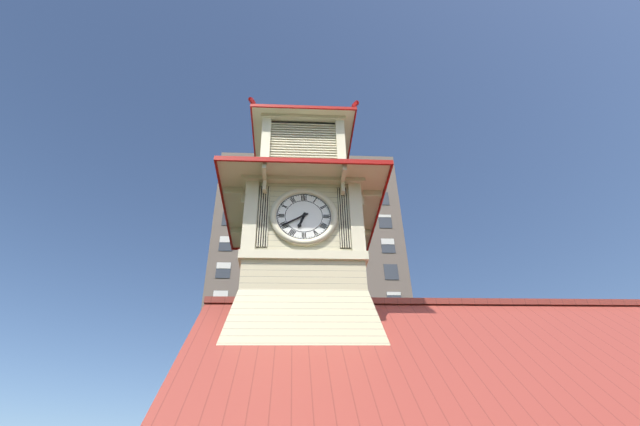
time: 6:40
